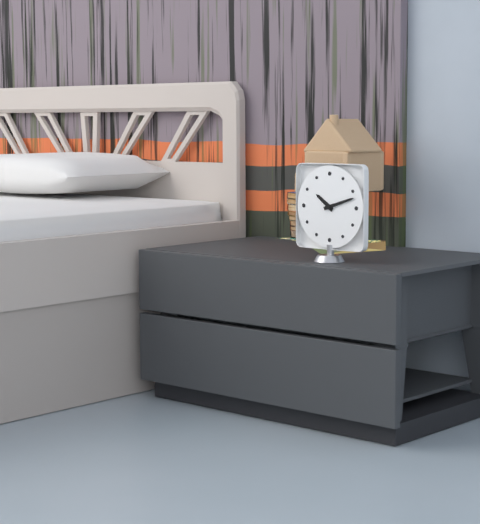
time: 10:12
